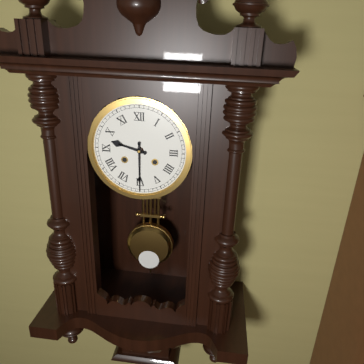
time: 9:30
